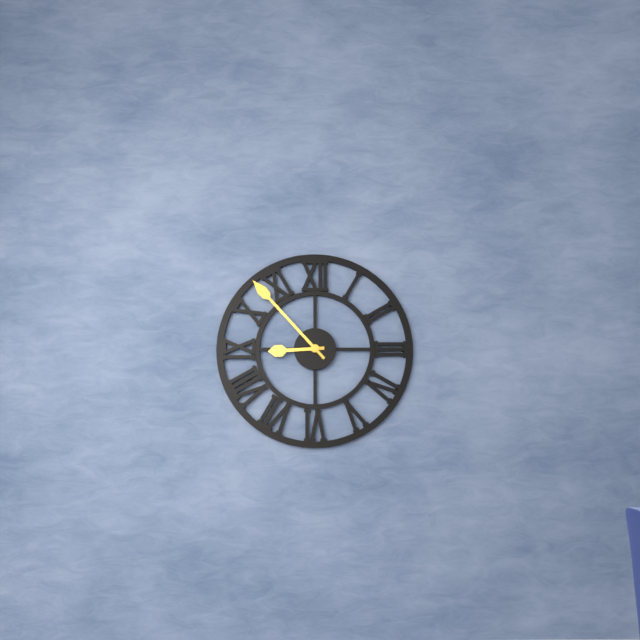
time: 8:53
